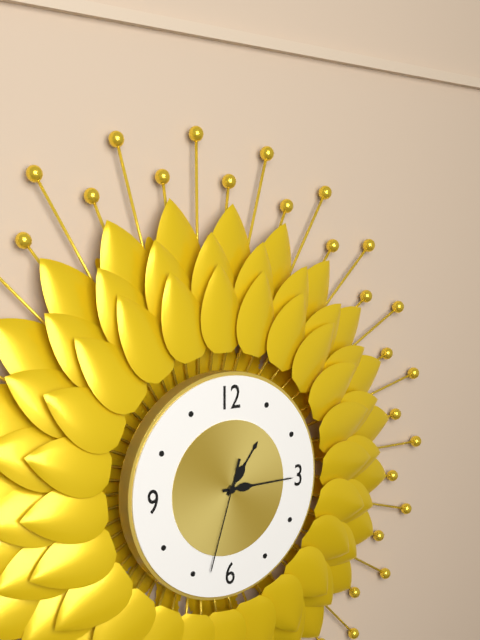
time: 1:15:33
